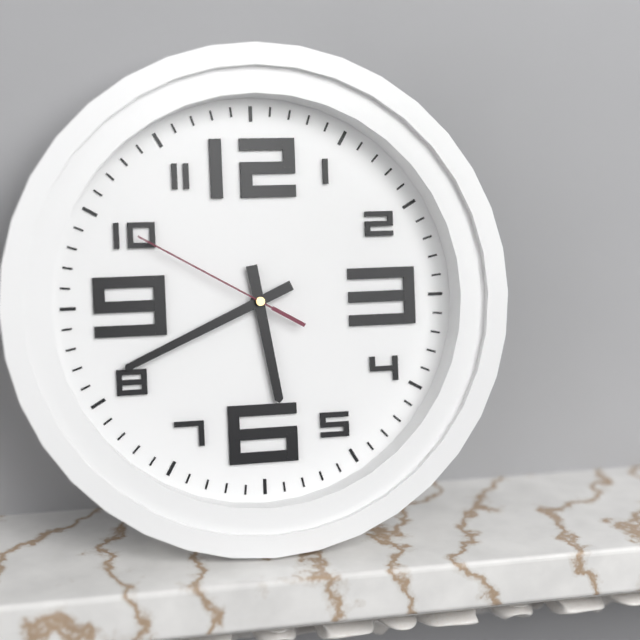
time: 5:41:50
